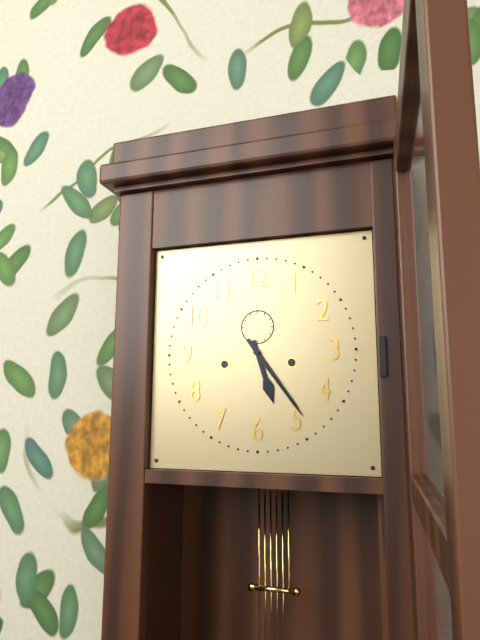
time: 5:24
